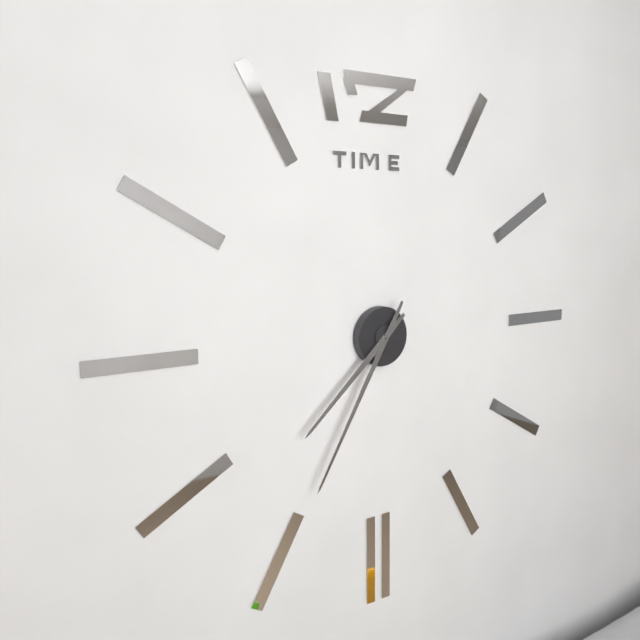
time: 7:35
